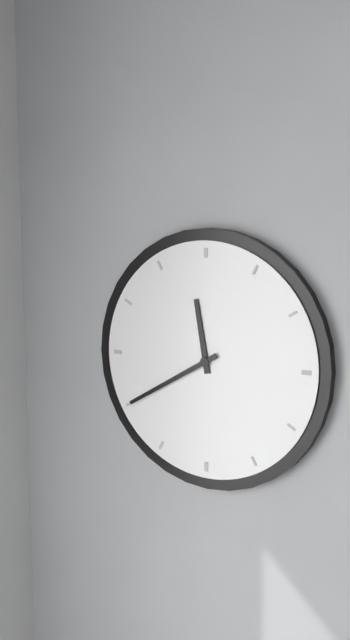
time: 11:40
